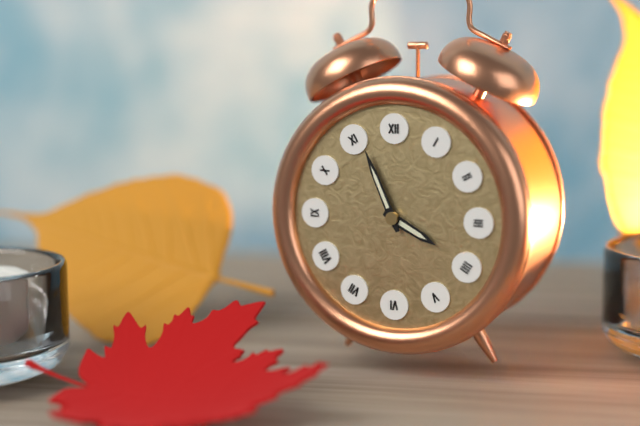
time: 3:56
